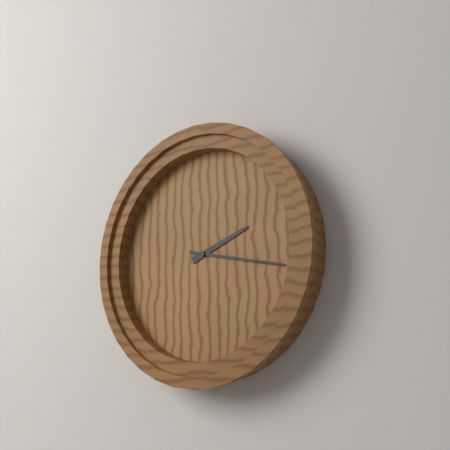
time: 2:17
